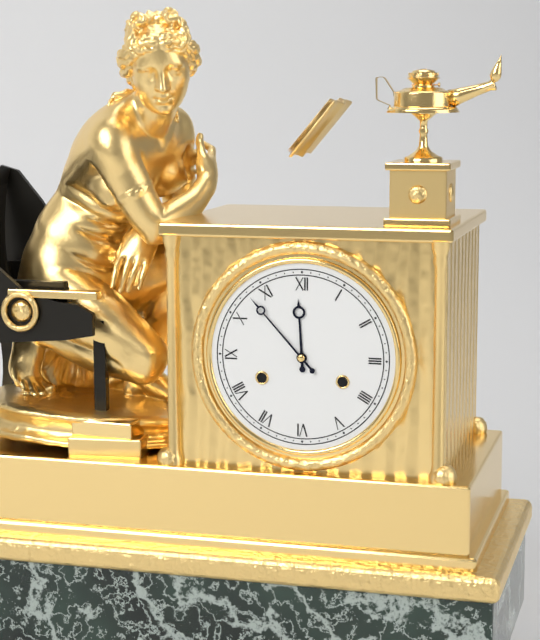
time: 11:53
